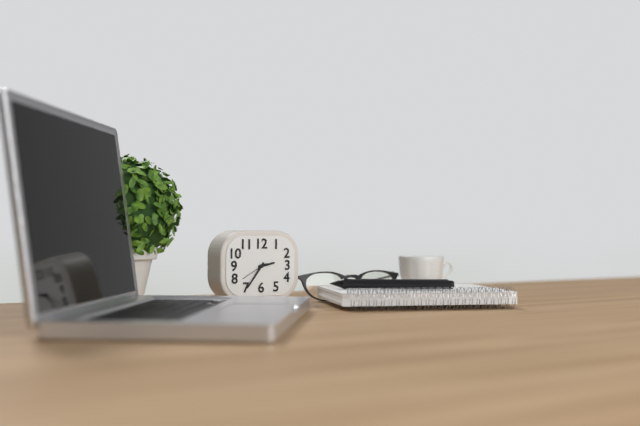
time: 2:36
